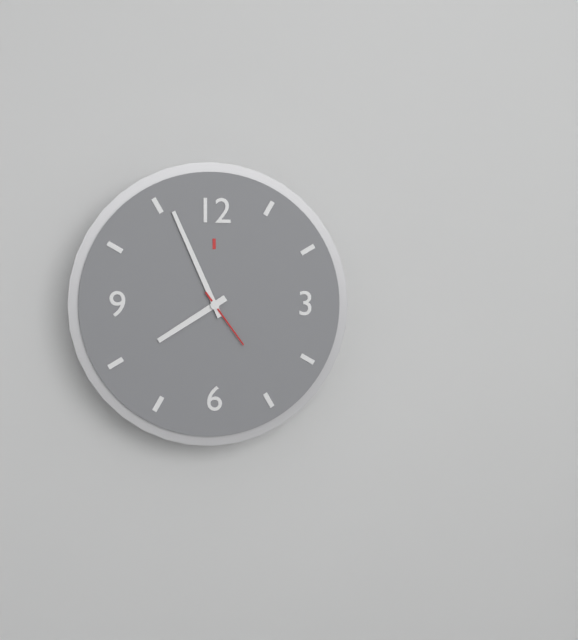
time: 7:56:24
